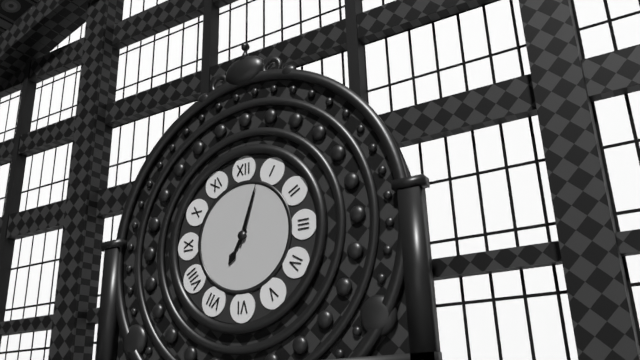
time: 7:03
